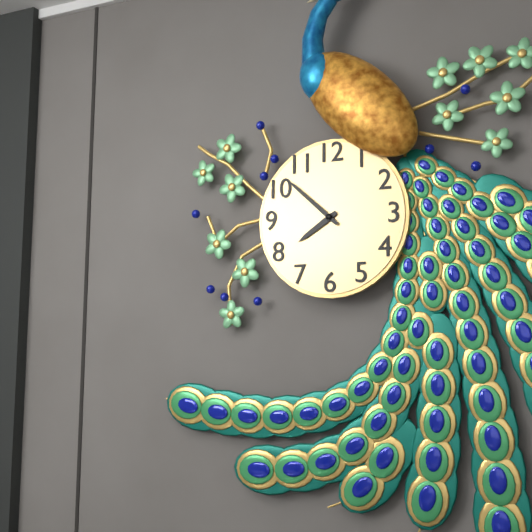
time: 7:52
